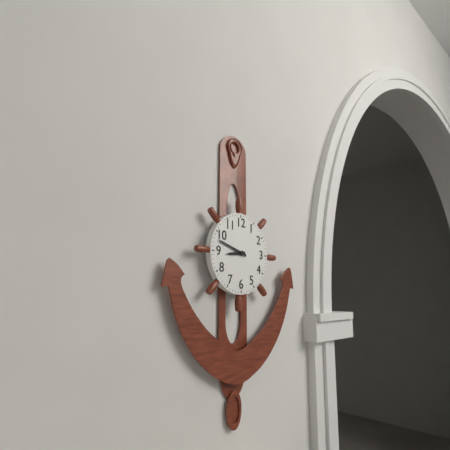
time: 8:48
